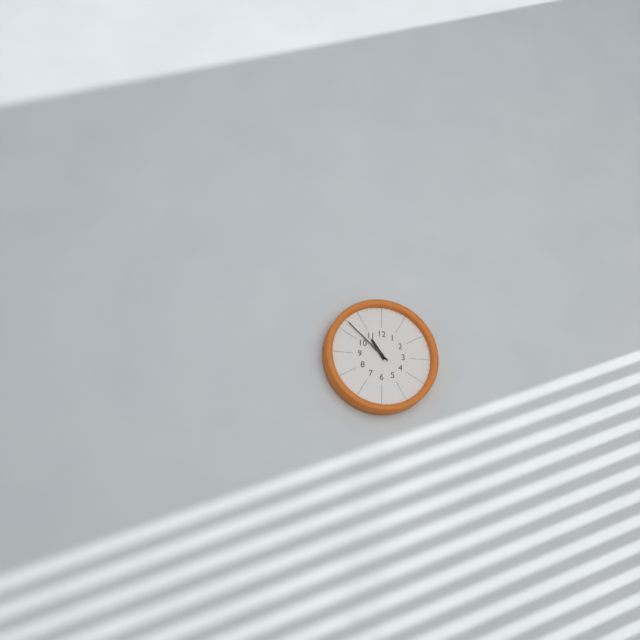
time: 10:52
